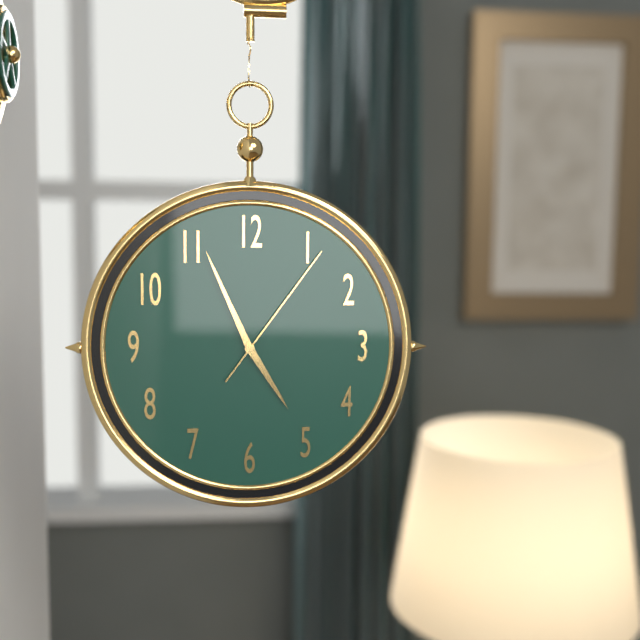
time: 4:56:06
